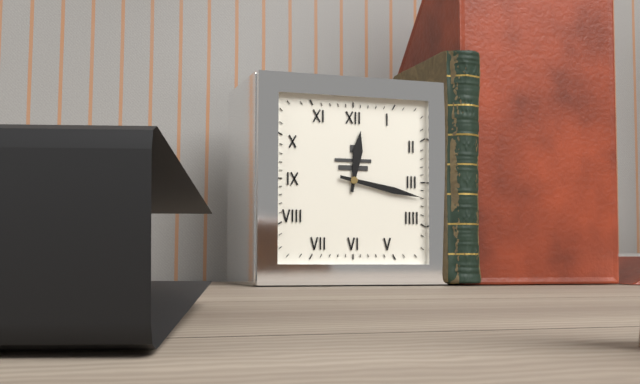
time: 12:17
